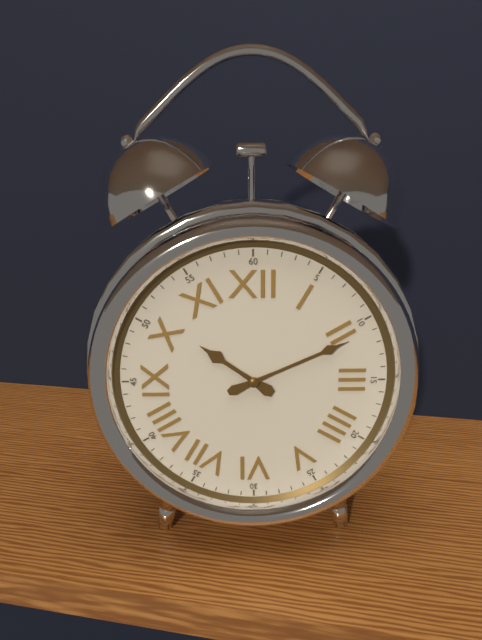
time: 10:11
